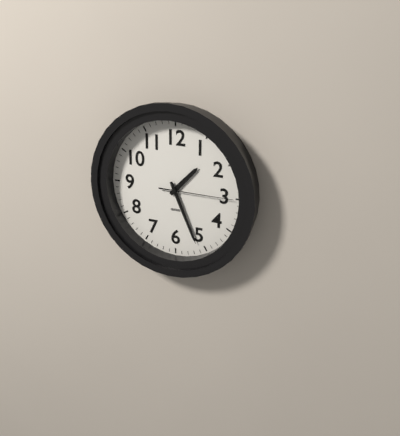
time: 1:26:15
